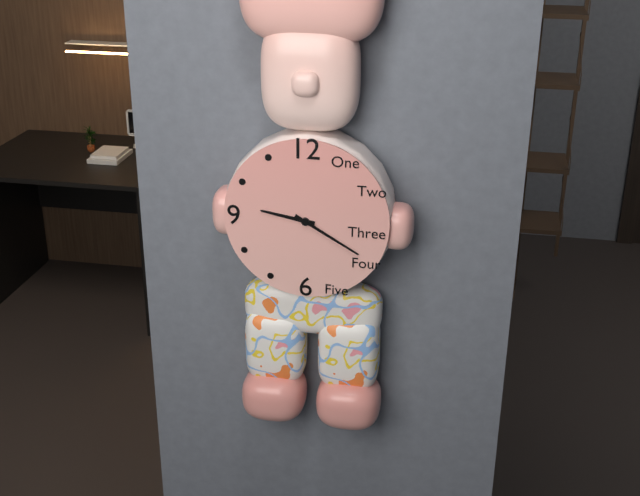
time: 9:20
